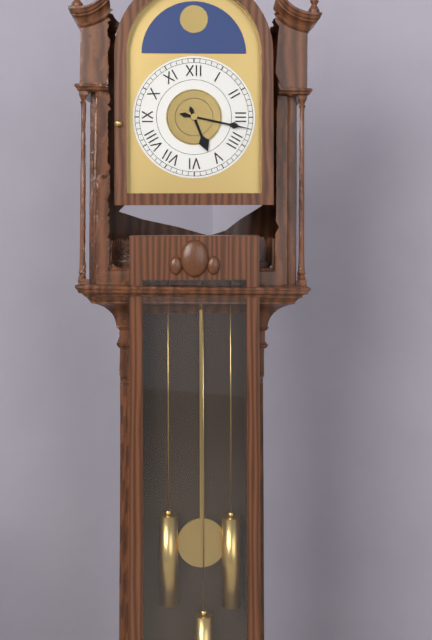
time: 5:17
